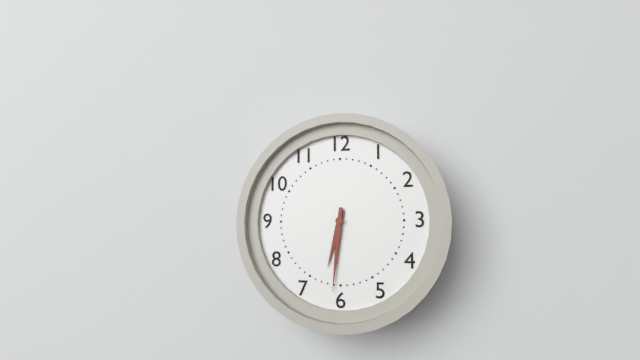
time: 6:31
